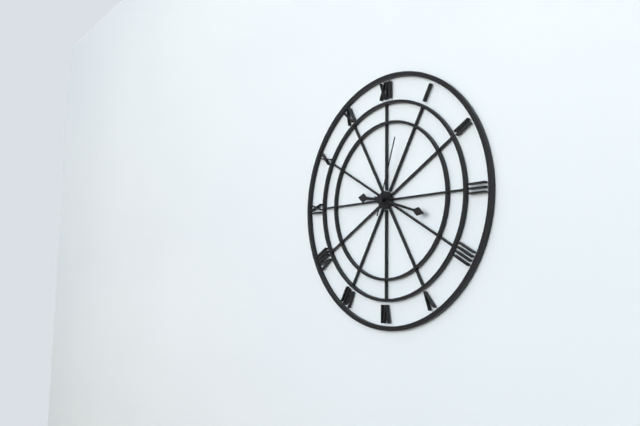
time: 9:18:03
